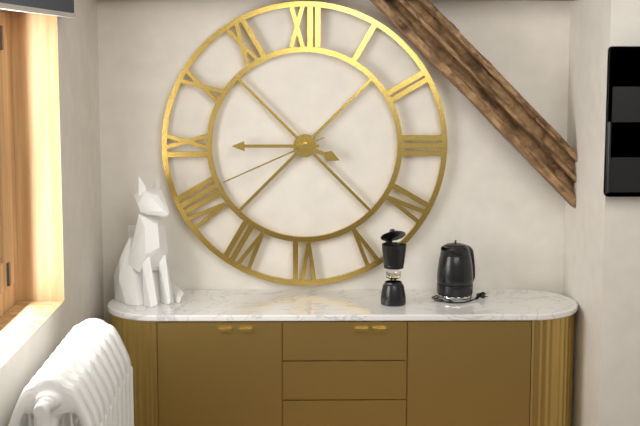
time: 3:45:41
